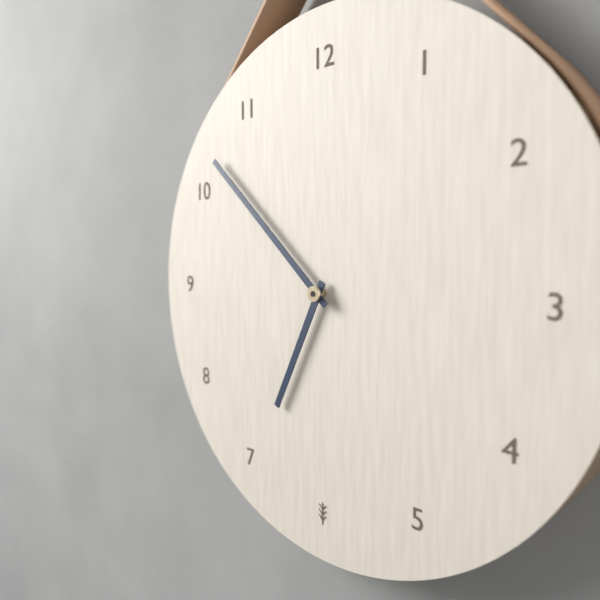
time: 6:52
